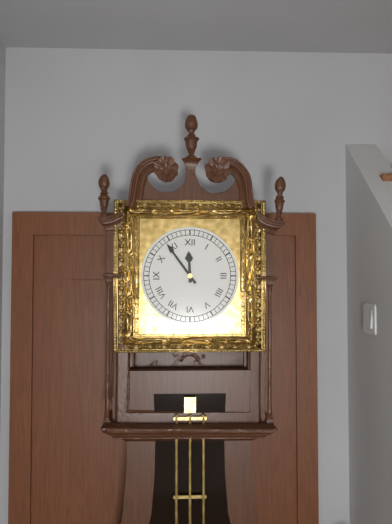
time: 11:54
